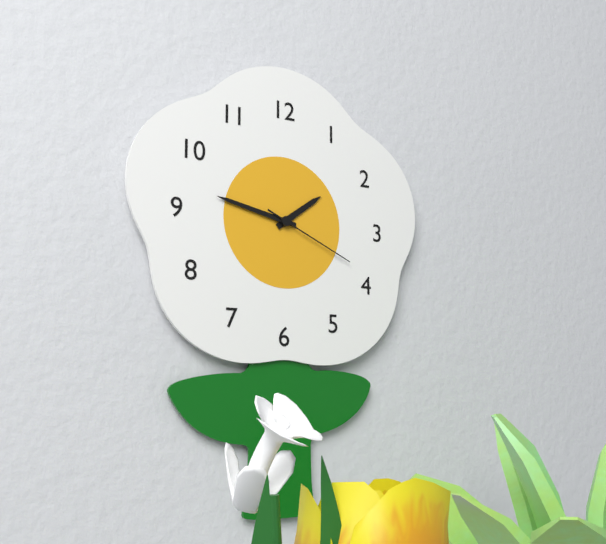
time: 1:47:19
